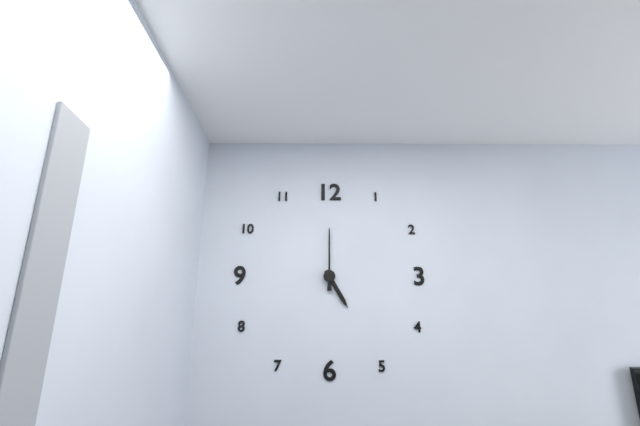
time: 5:00
